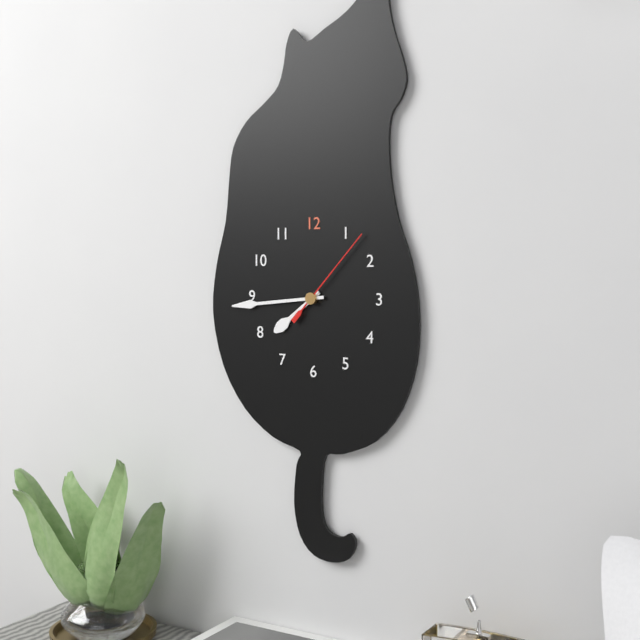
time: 7:44:07
